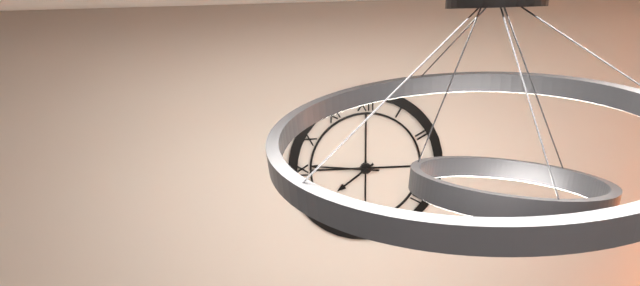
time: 7:46
